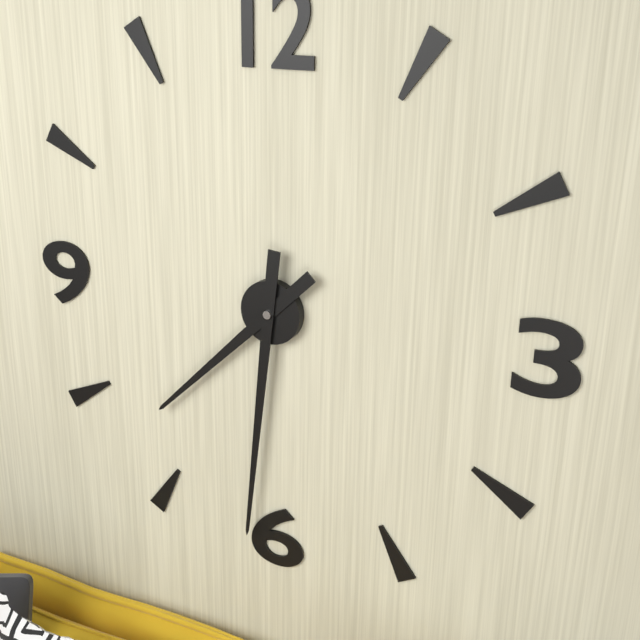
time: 7:31
